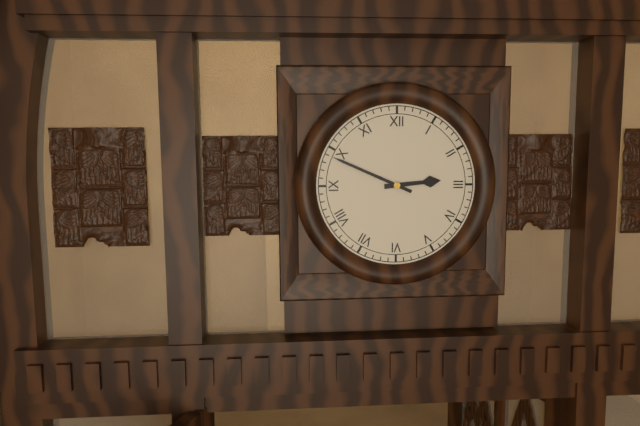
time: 2:49
